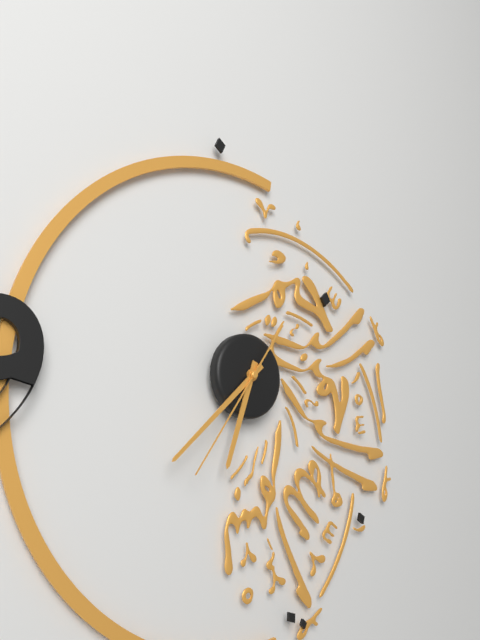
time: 6:38:36
